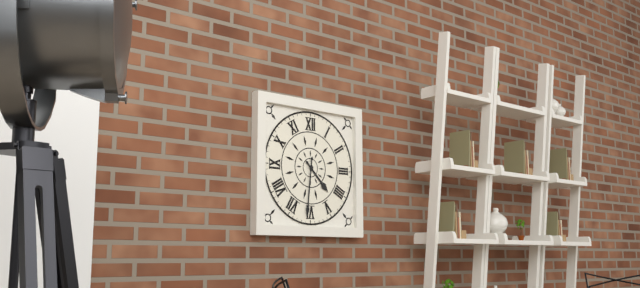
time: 4:31
